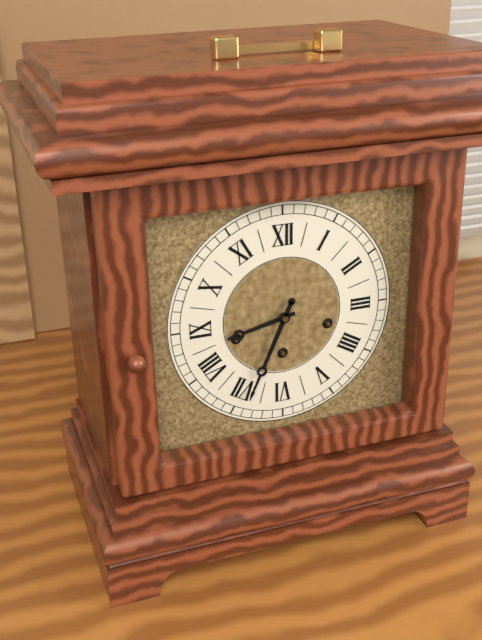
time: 8:34
